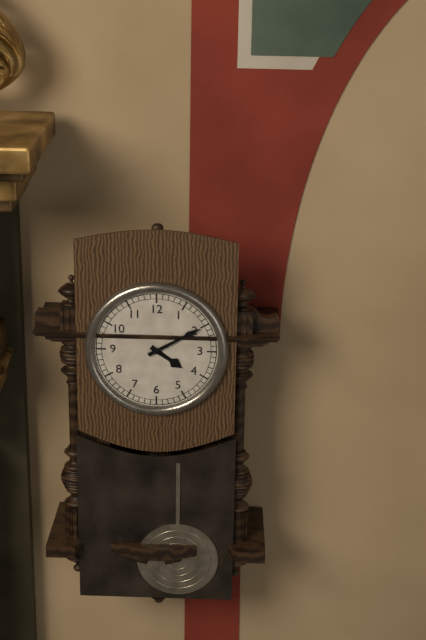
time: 4:10
